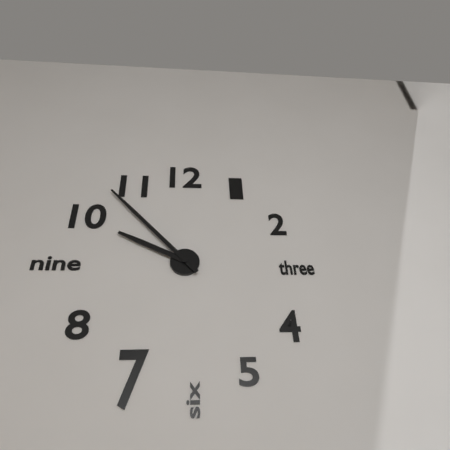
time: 9:53
